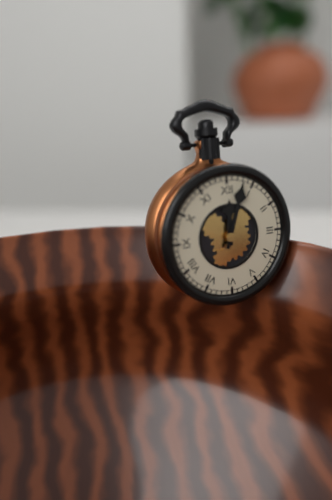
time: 12:03
